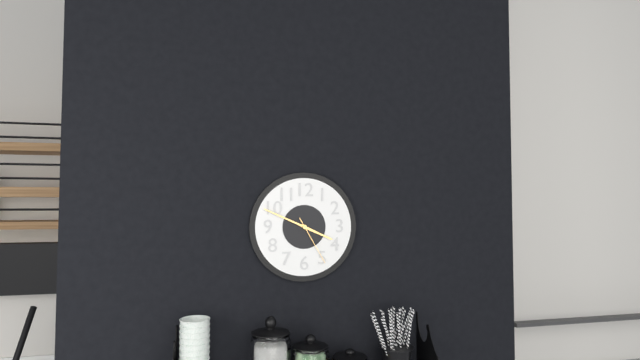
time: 3:49:25
